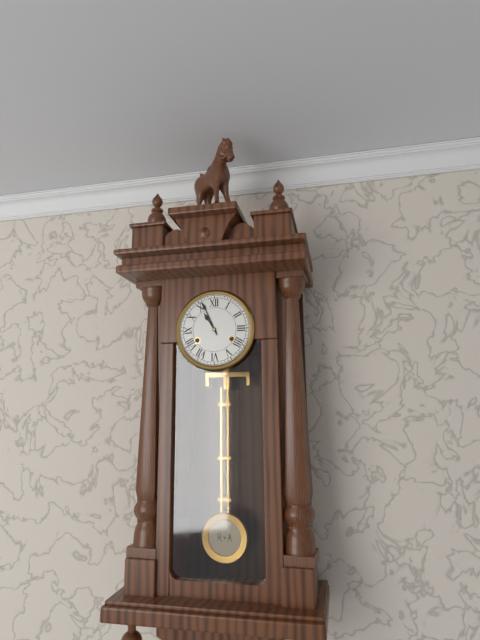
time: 10:56
